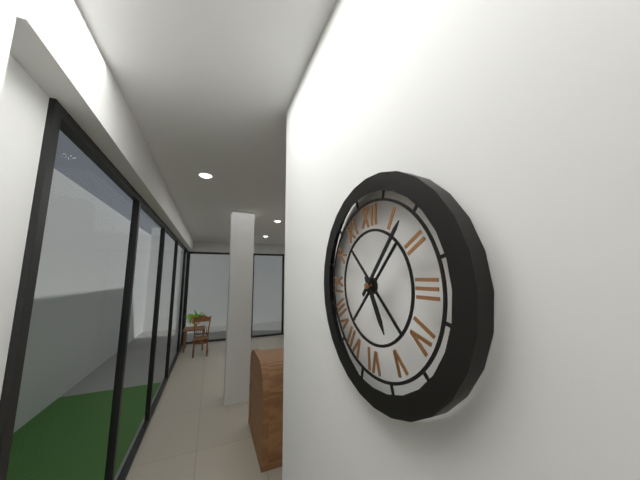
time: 5:07
